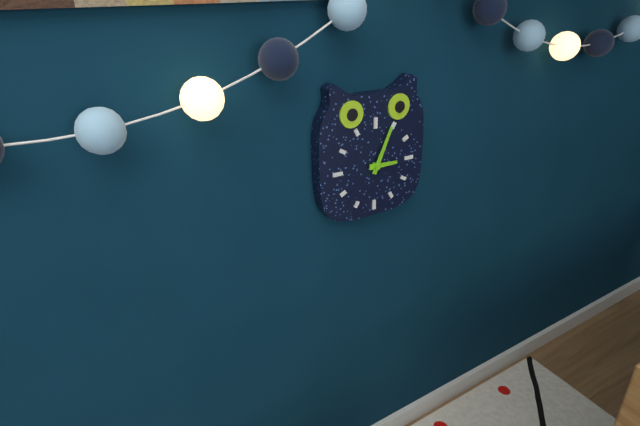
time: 3:04
